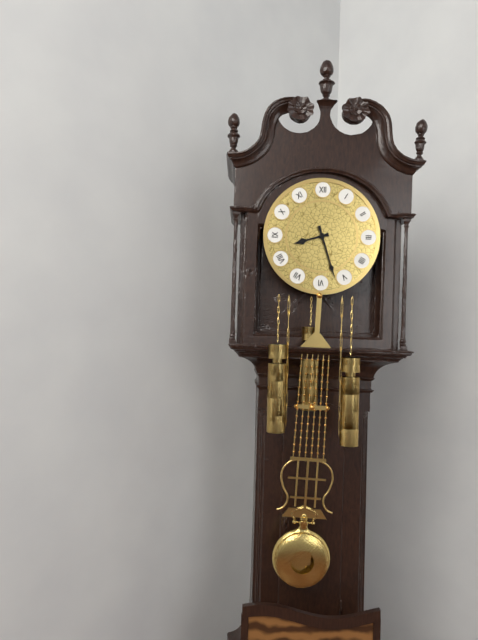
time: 8:27
